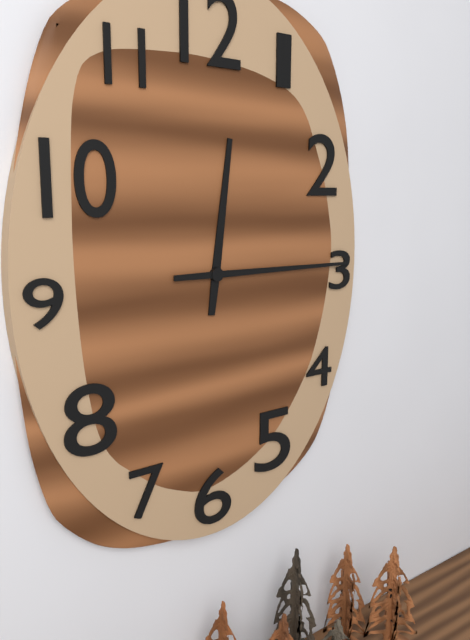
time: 12:15
